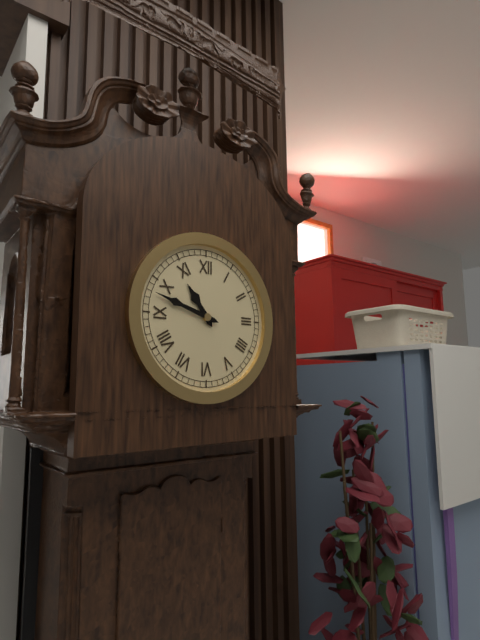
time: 10:48
